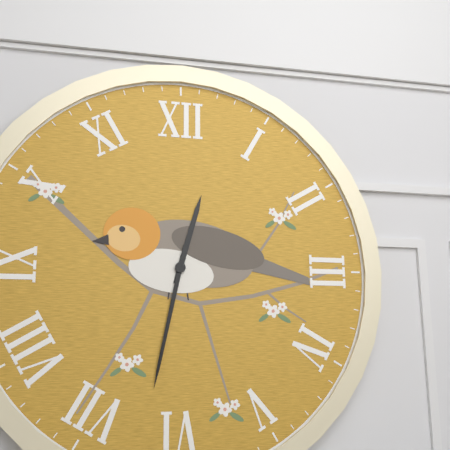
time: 12:32
